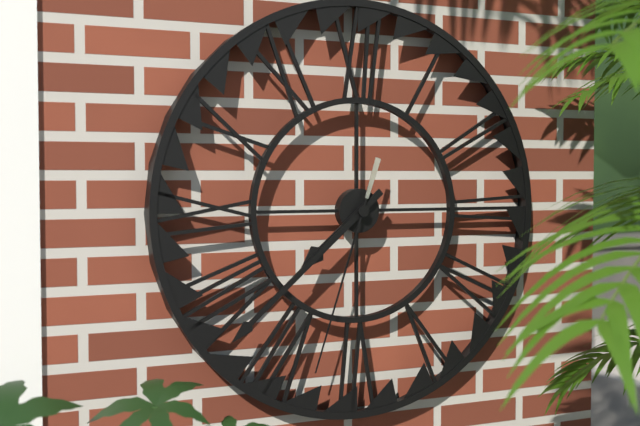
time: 7:38:33
